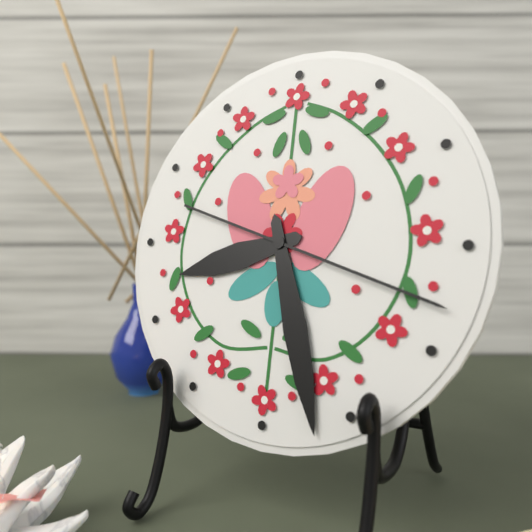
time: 8:27:18
